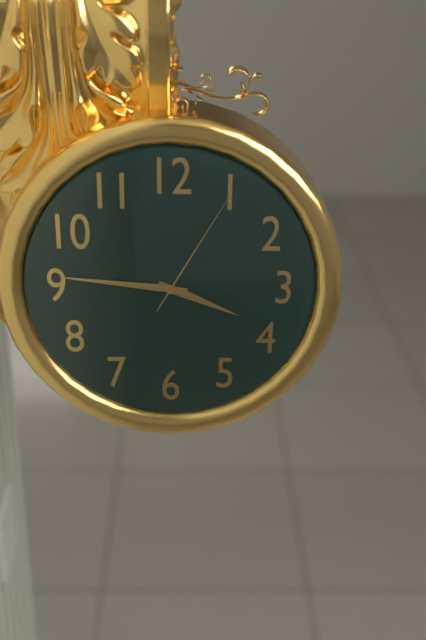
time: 3:46:05
